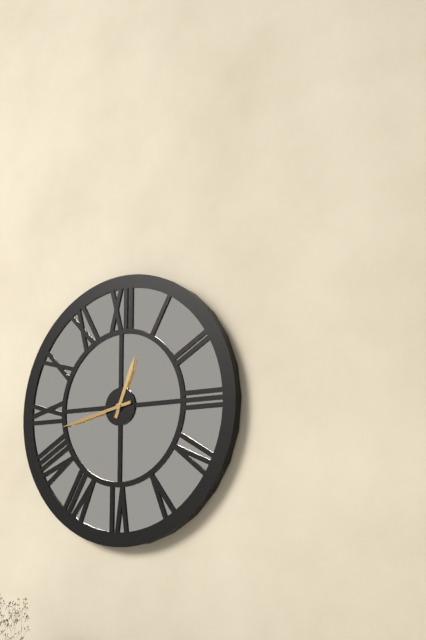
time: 12:43
